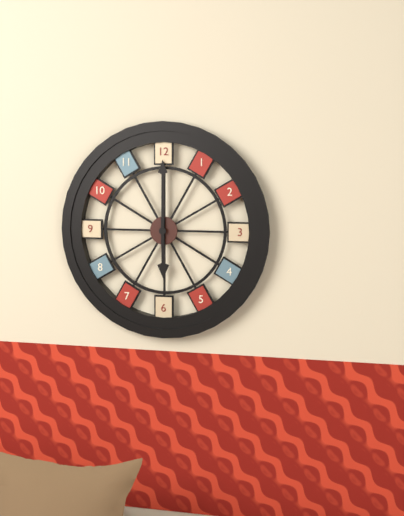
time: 6:00
